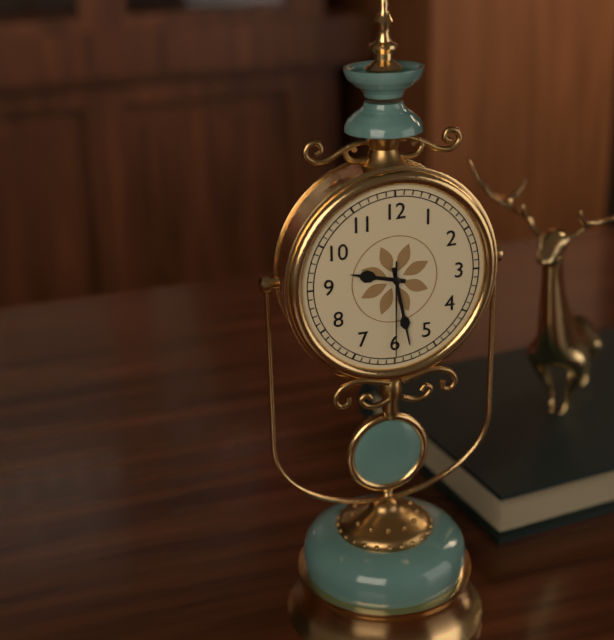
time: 9:28:30
